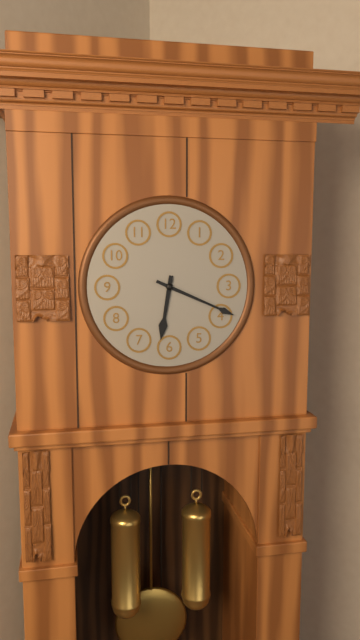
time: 6:19
